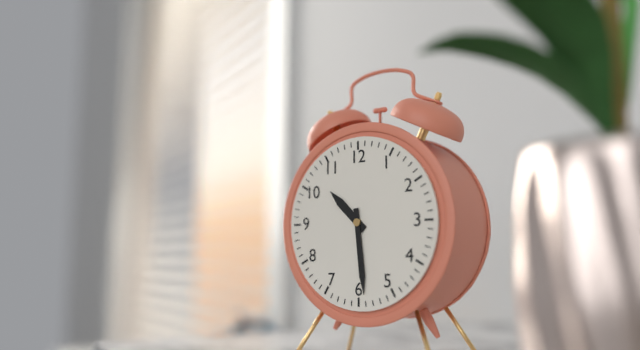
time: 10:29
